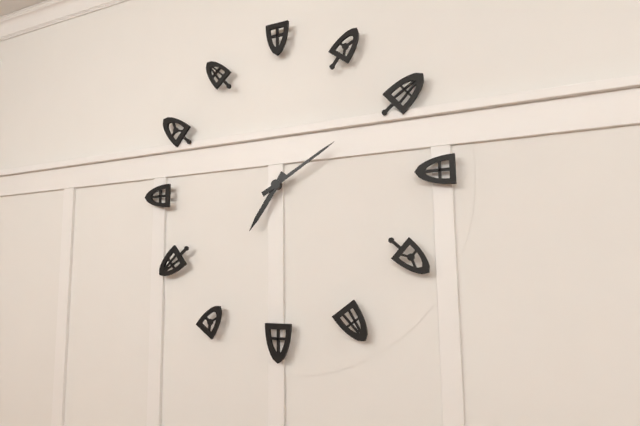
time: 7:10
